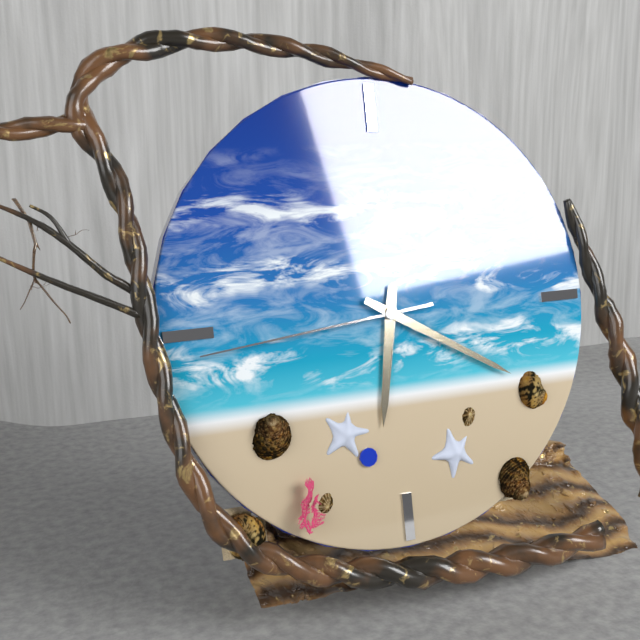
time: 6:20:44
